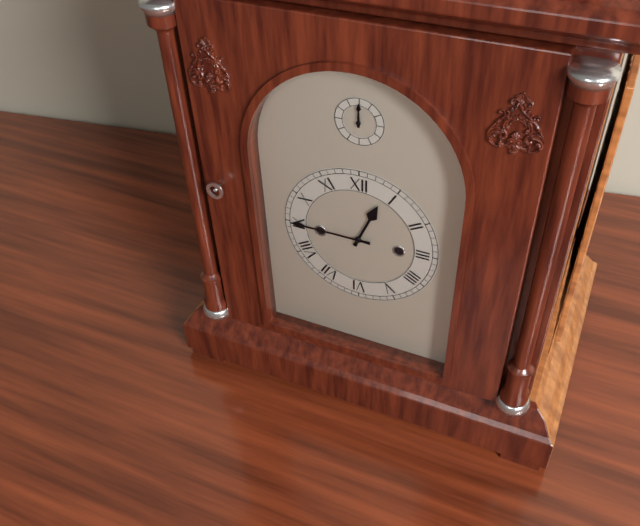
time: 12:45
